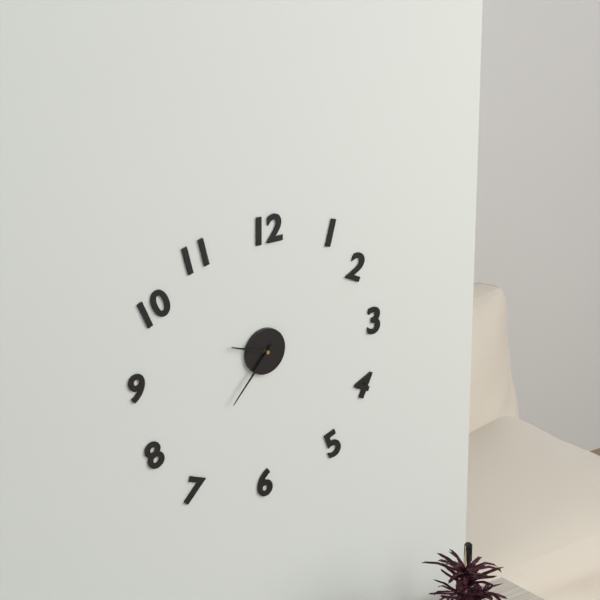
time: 9:37
